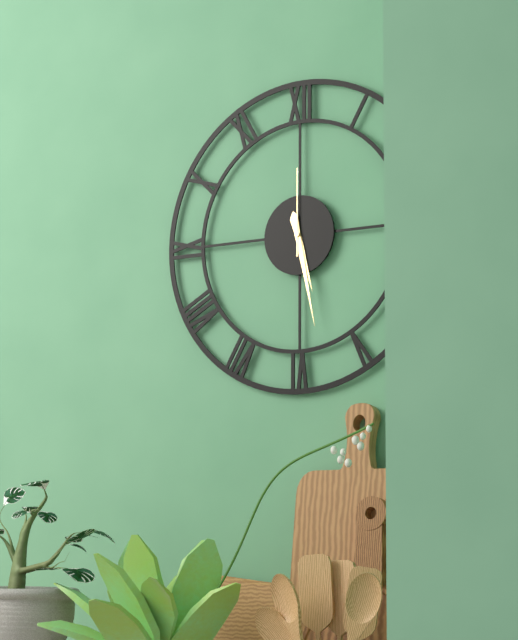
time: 5:28:00
